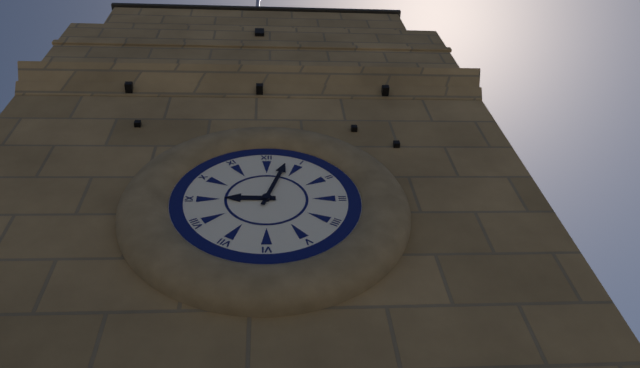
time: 9:03
